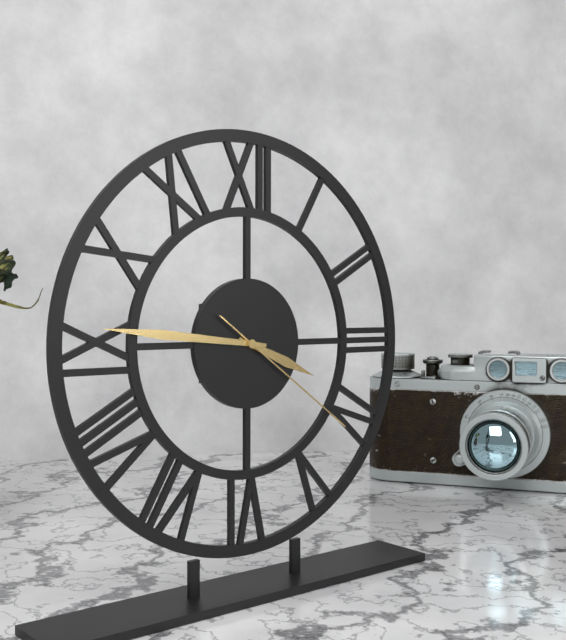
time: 3:46:21
